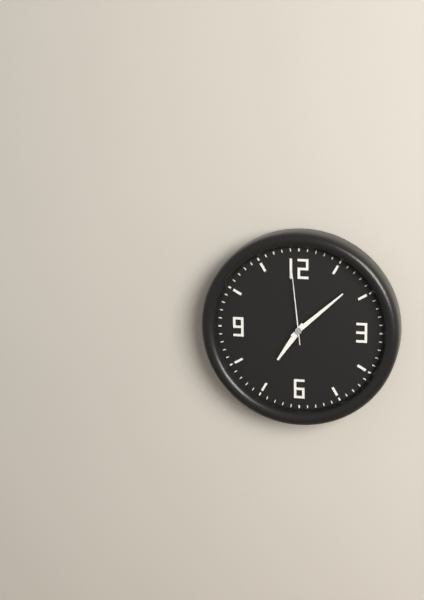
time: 7:08:59
